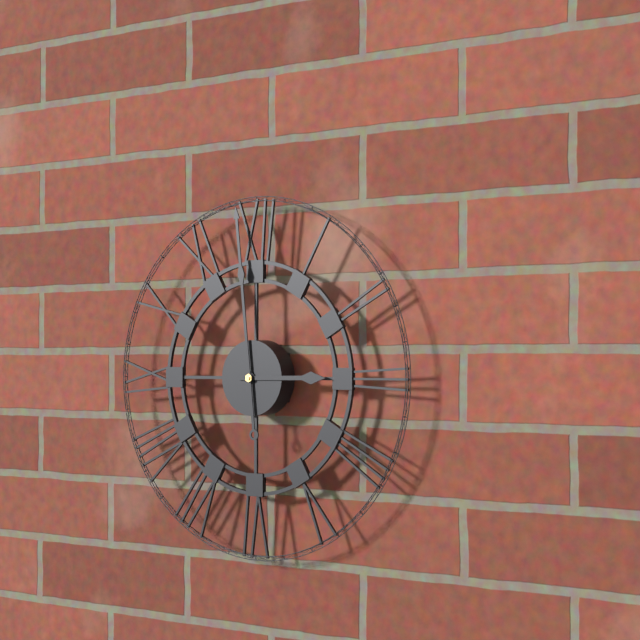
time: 2:59
